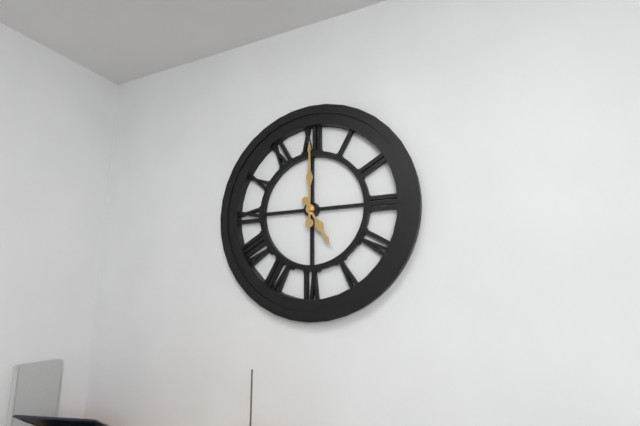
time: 5:00
